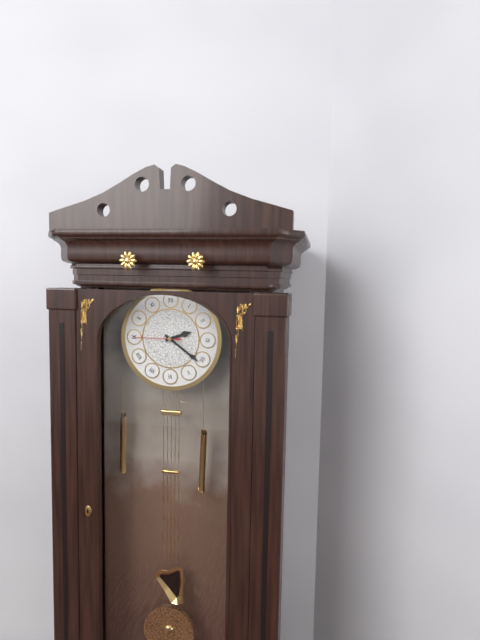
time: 2:21
